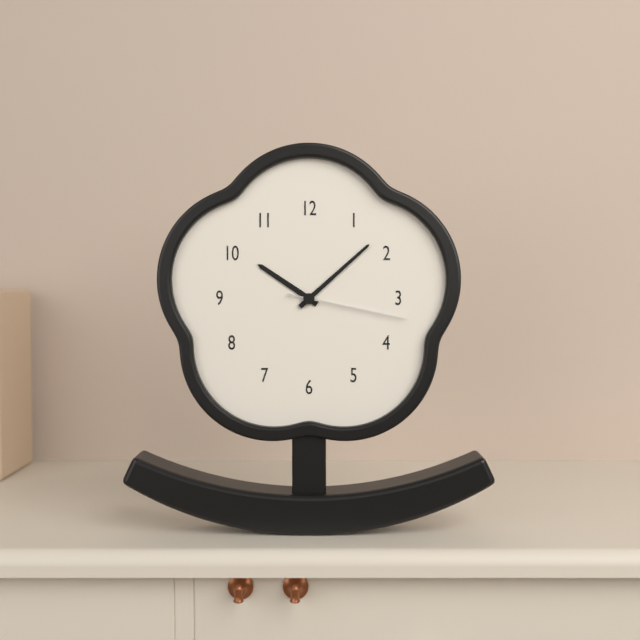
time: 10:08:17
